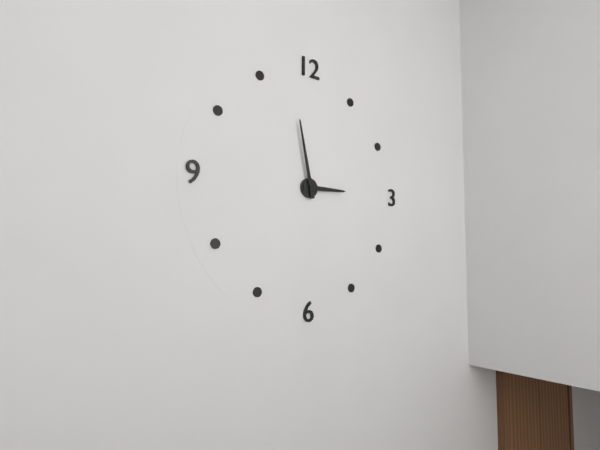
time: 2:58
